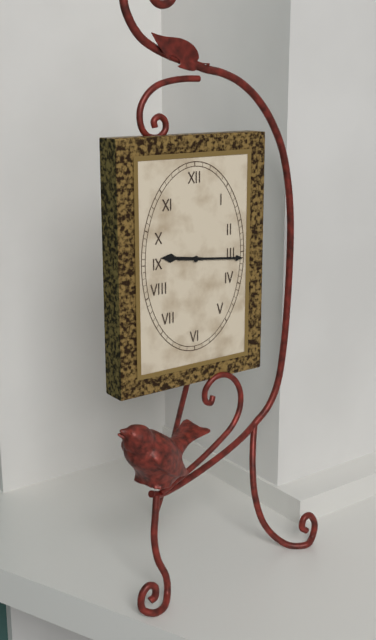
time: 9:16
